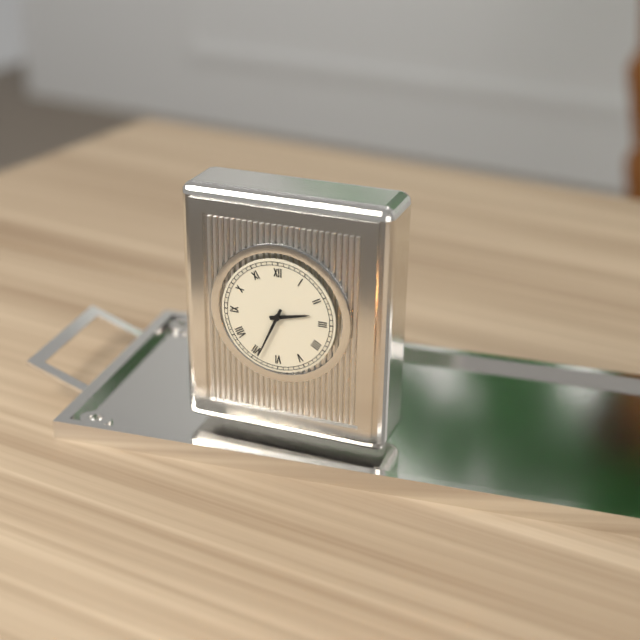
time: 2:34
